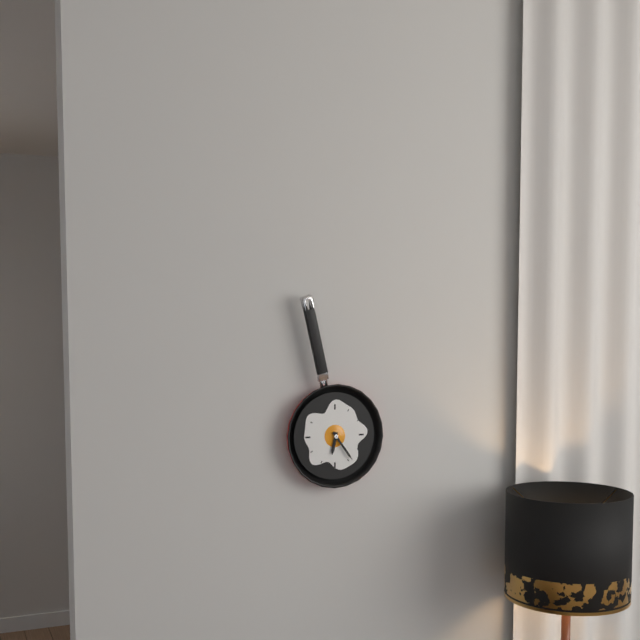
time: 6:24
